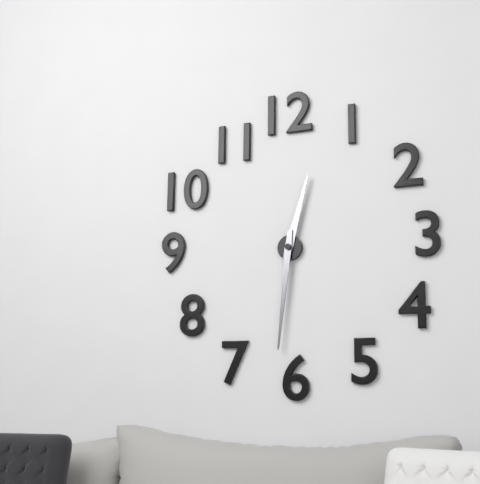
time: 12:31
